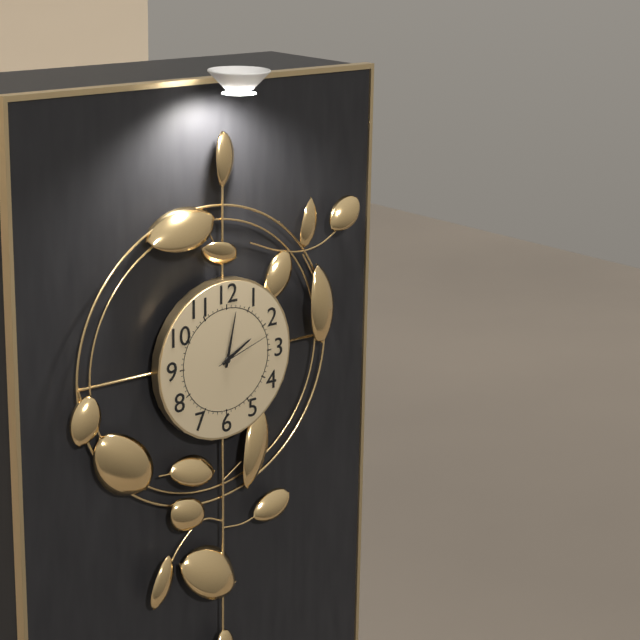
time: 2:02:12
